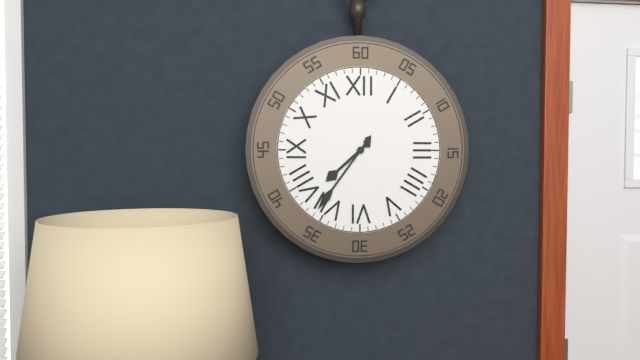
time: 7:36
